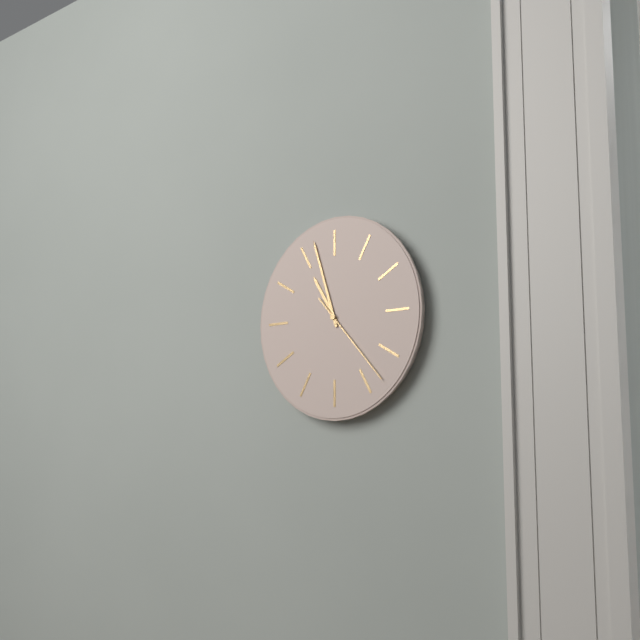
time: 10:57:23
